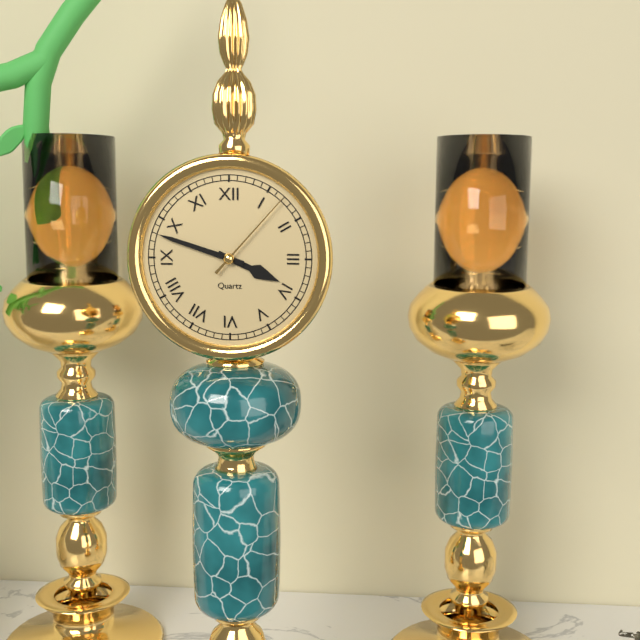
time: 3:48:07
